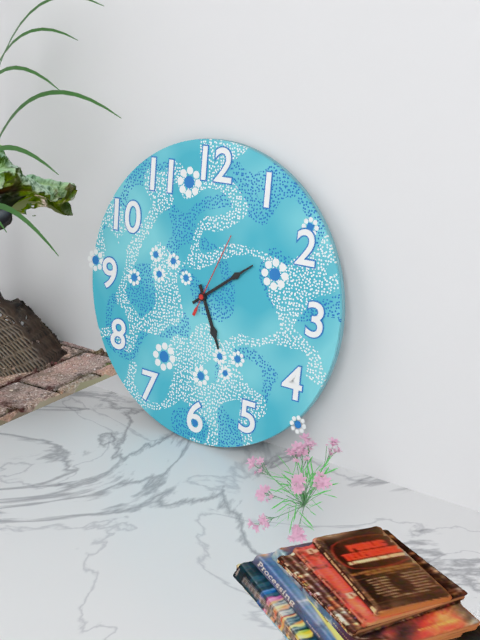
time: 5:09:04
